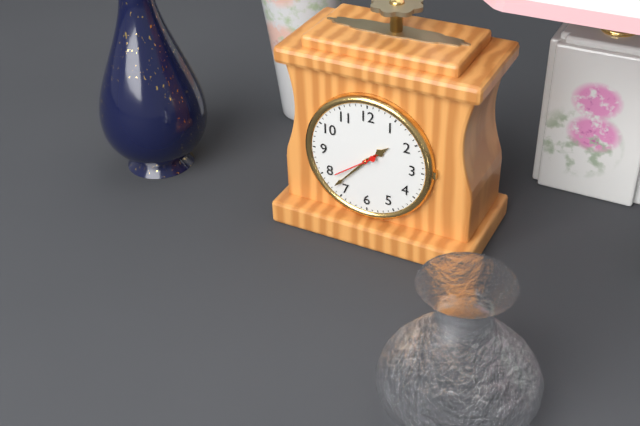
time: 1:37
